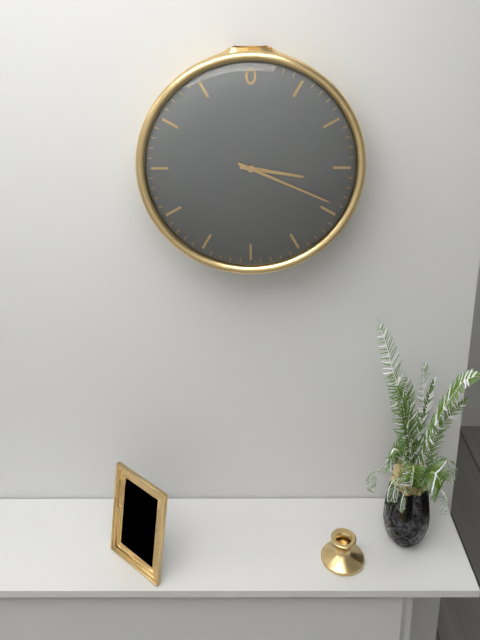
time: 3:19
